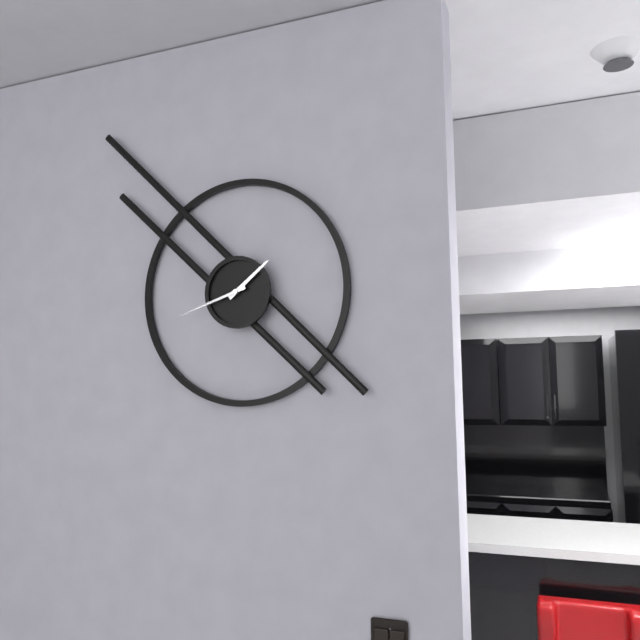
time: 1:42
